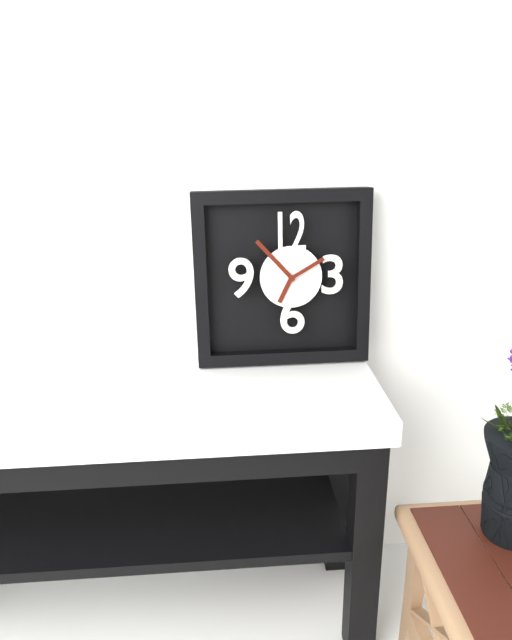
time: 6:53
